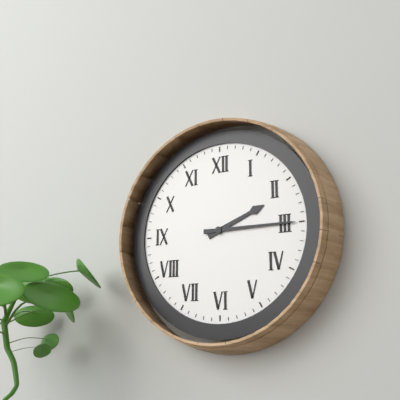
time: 2:15
